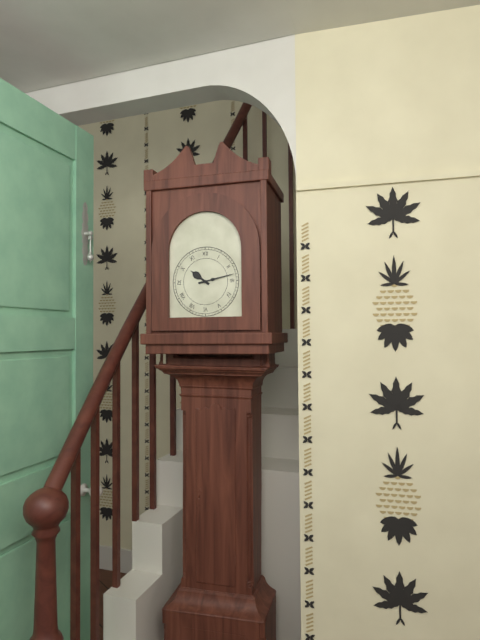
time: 10:13
